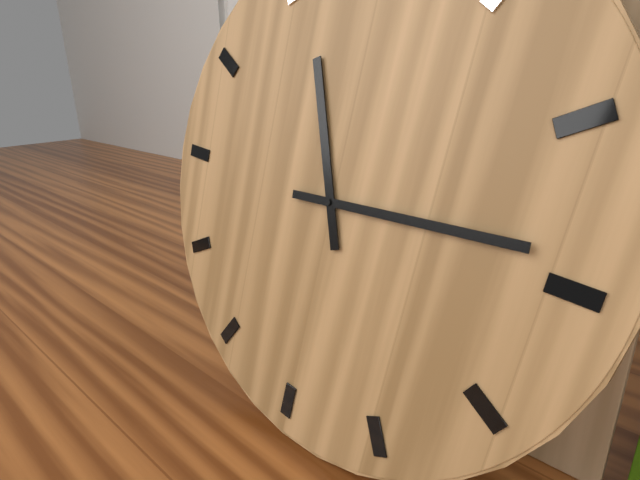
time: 11:14
